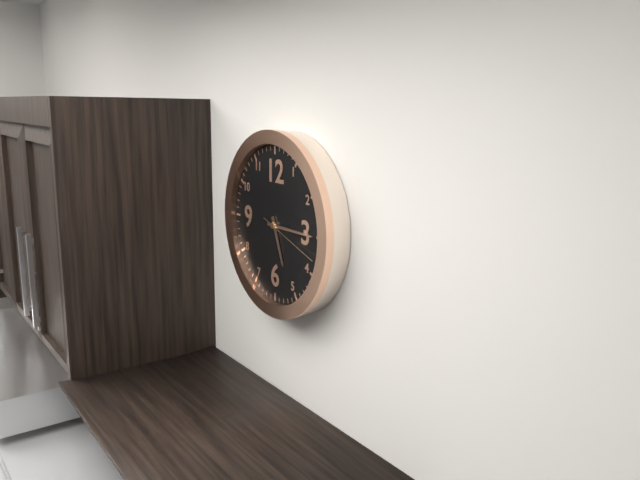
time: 5:15:18
